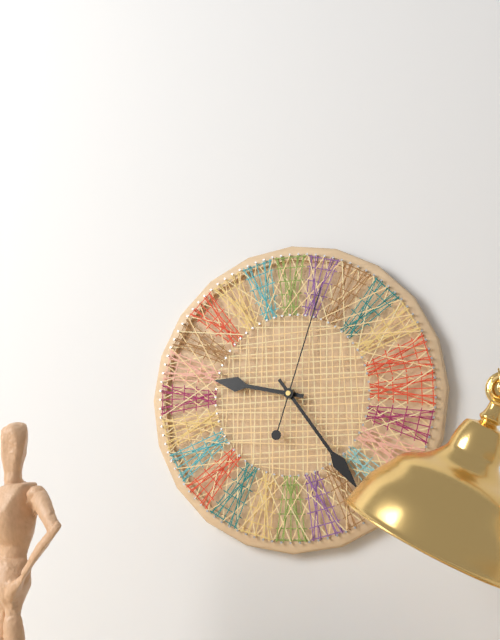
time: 9:24:03
